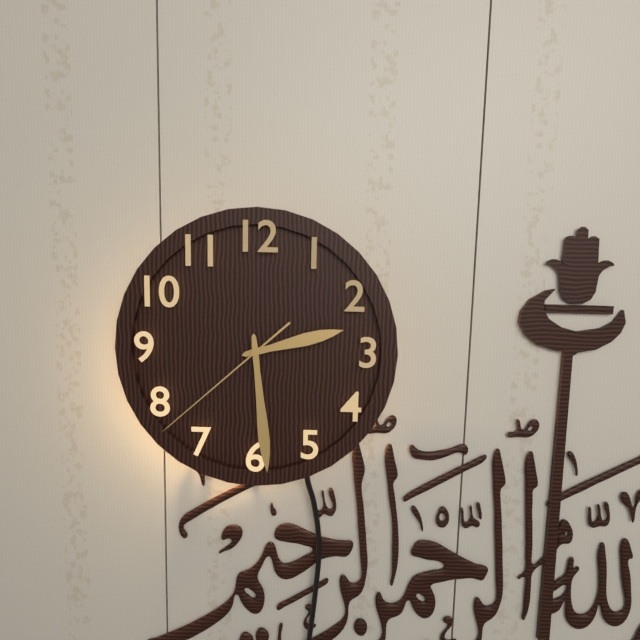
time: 2:29:38
